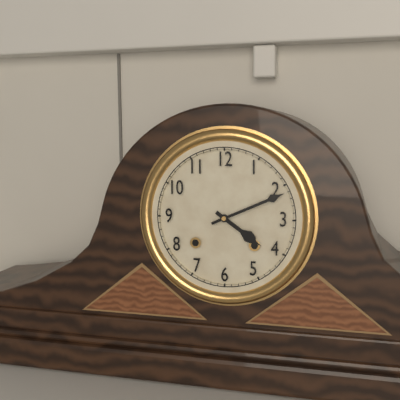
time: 4:11
